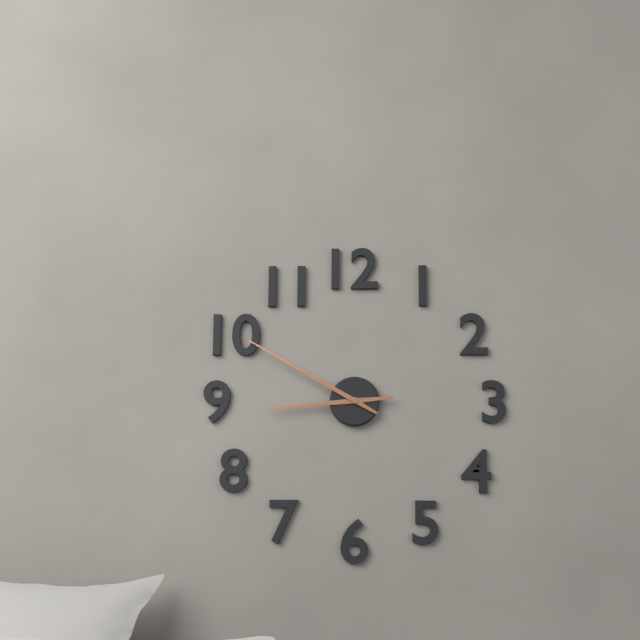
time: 8:50
